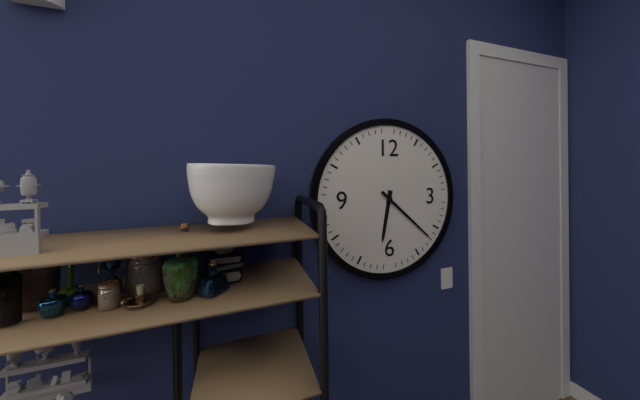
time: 6:22
